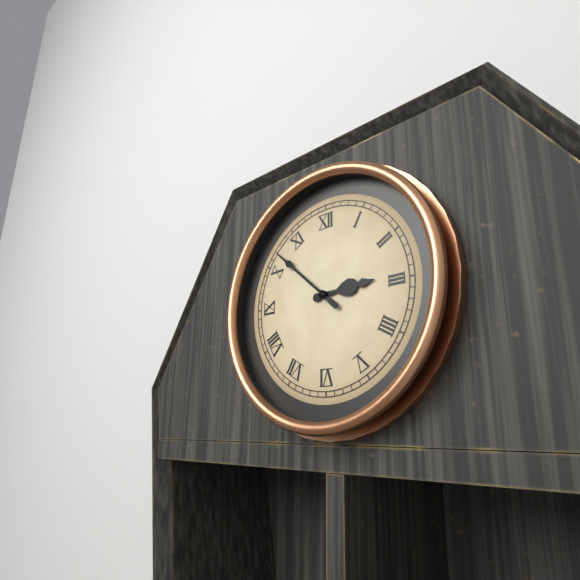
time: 2:52
